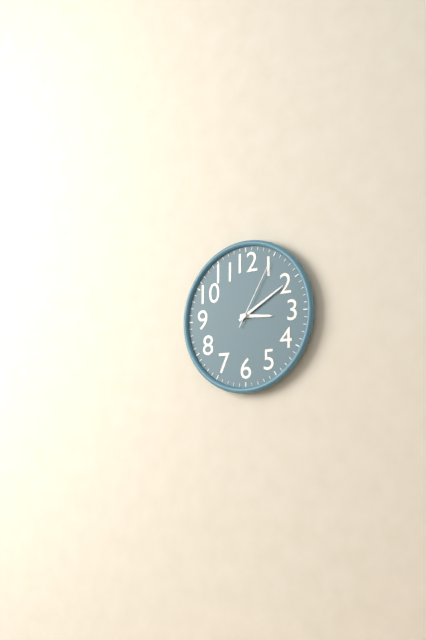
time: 3:10:05
